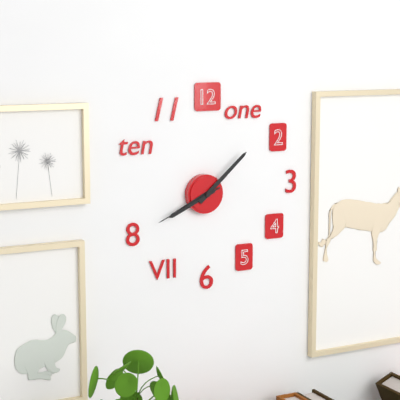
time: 8:08:41
